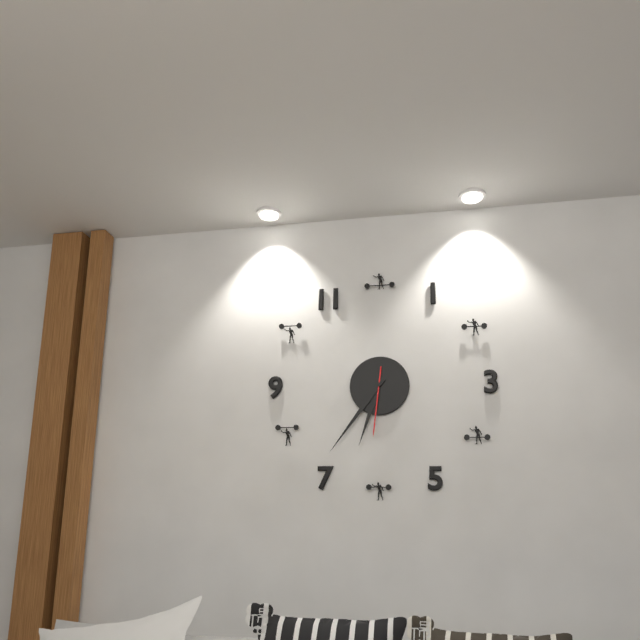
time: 6:36:31
